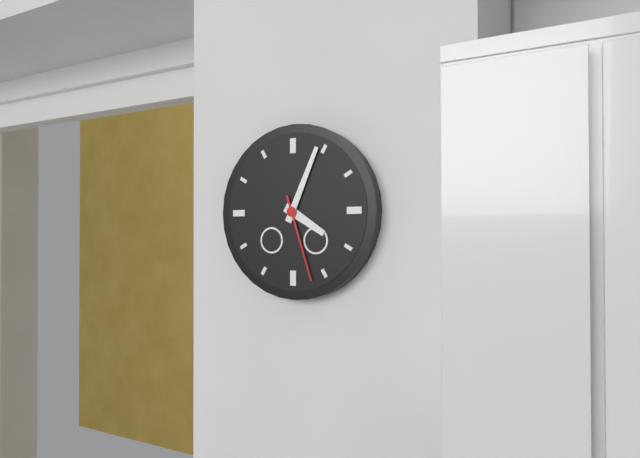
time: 4:04:27
